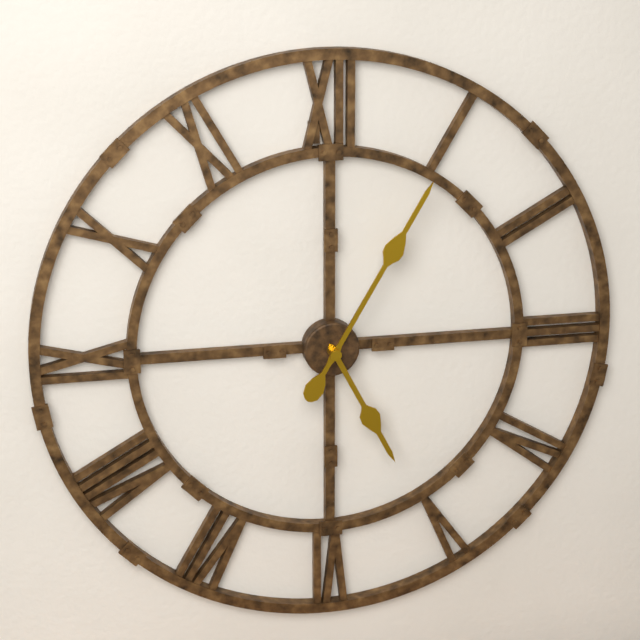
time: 5:05
